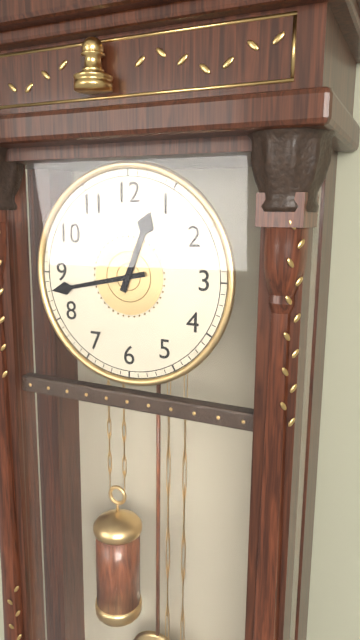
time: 12:43
